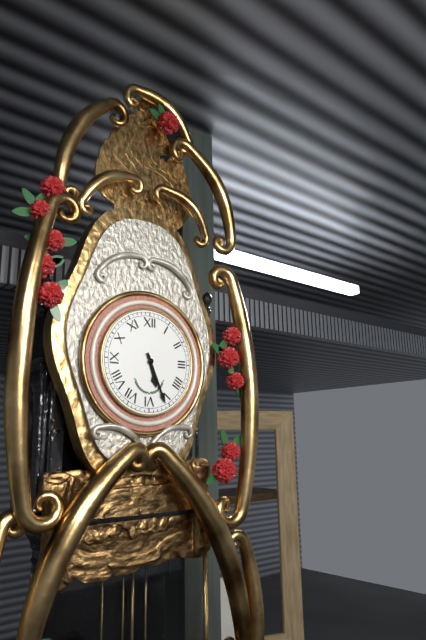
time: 5:26
